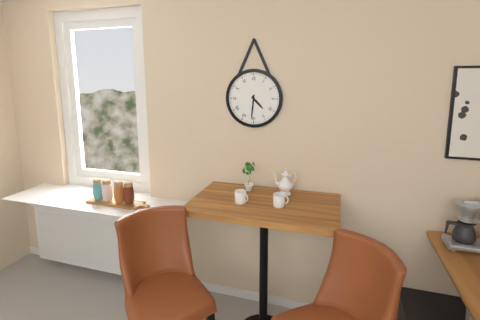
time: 4:31
